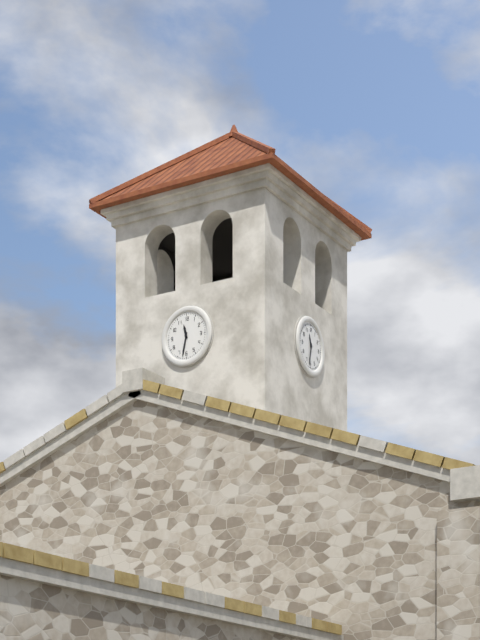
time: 11:32
